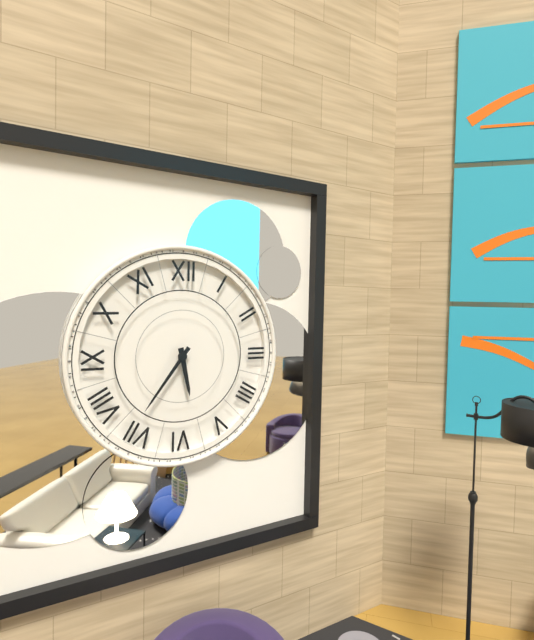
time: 5:36
